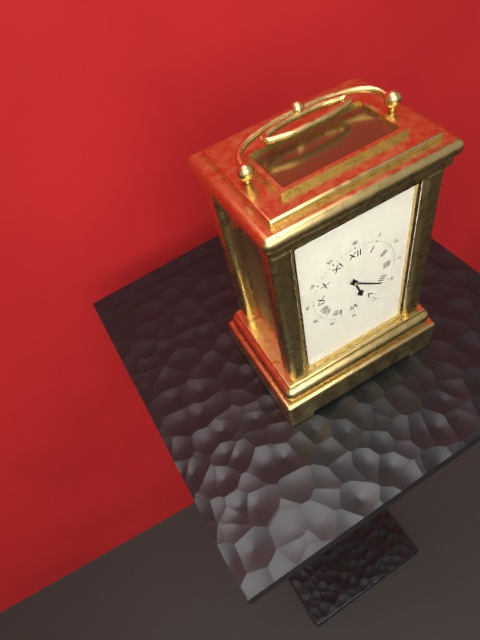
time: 5:21
